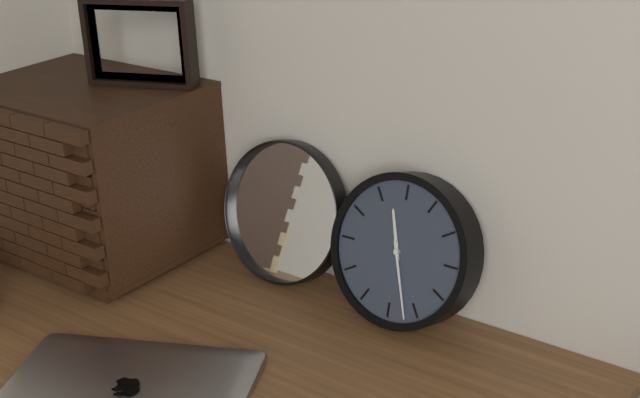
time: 11:27
